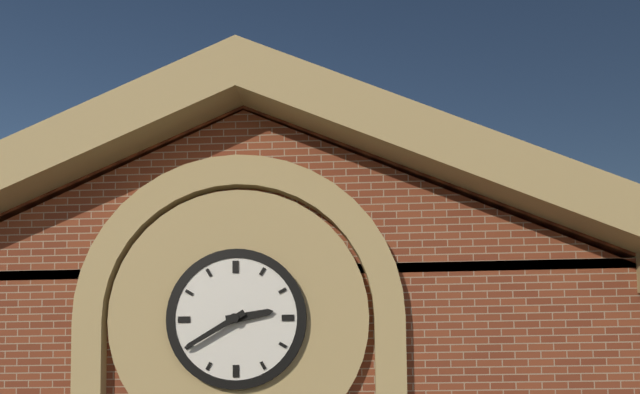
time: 2:40
